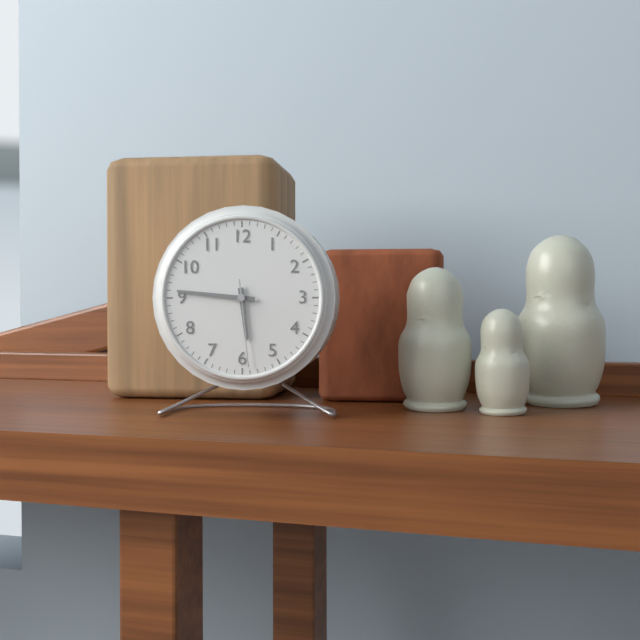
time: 5:46:29
